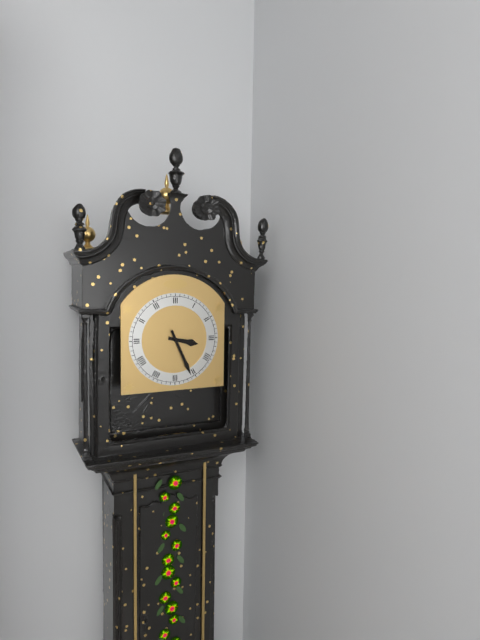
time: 3:26
